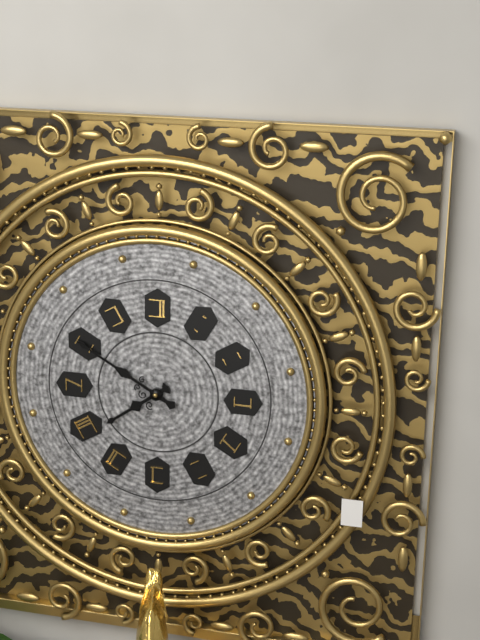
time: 7:50
